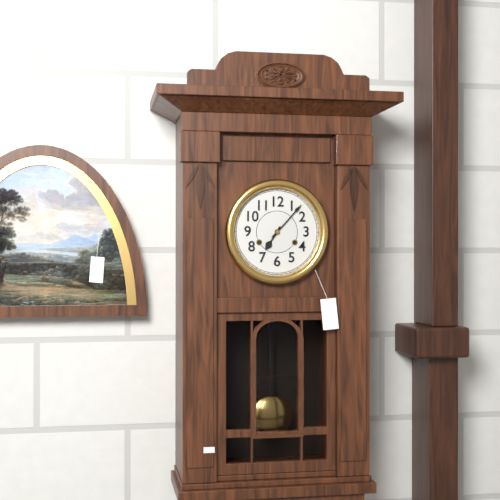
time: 7:07
